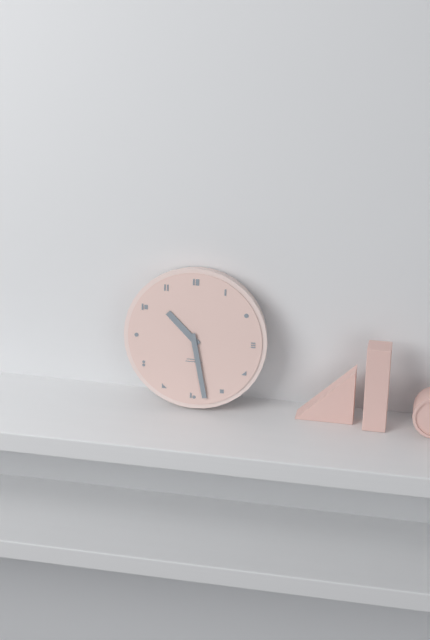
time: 10:28
